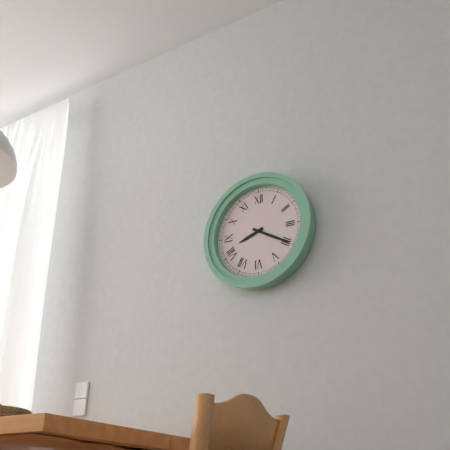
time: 8:20
